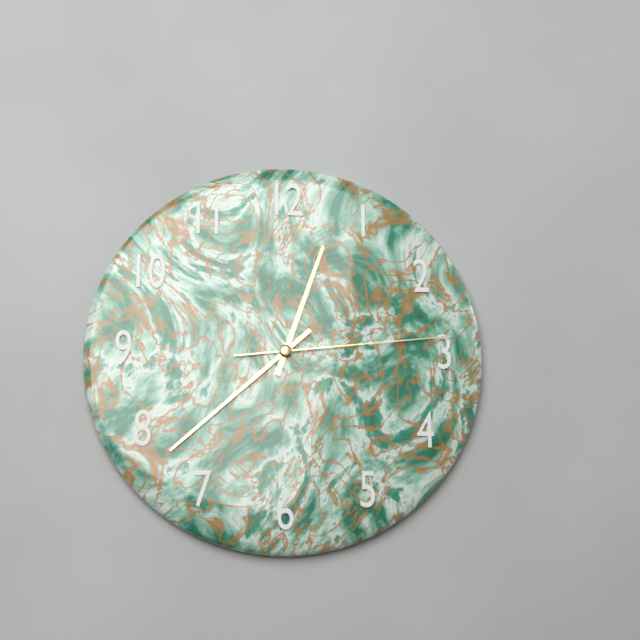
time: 12:38:14
